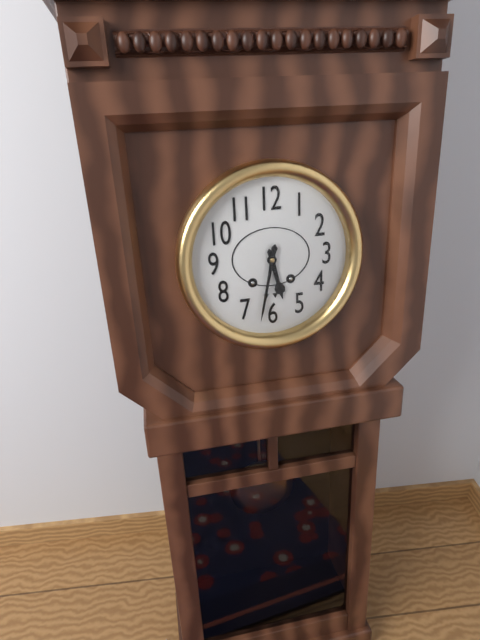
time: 5:32
